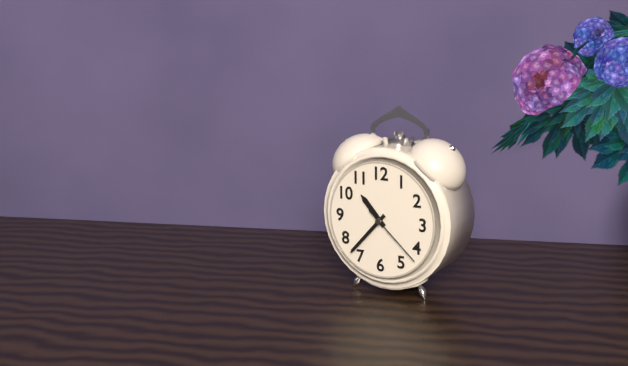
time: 10:37:22
